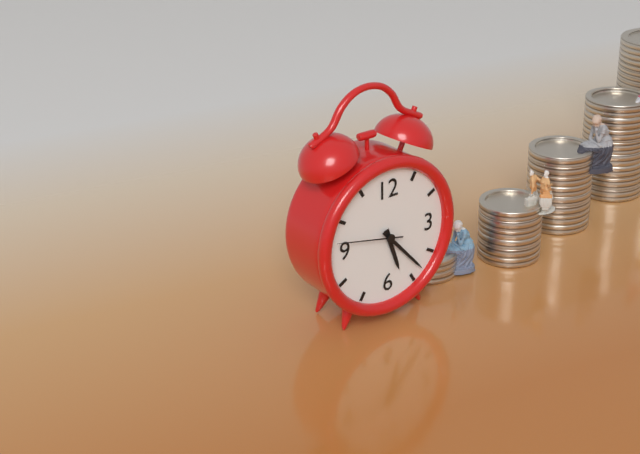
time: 5:23:47
